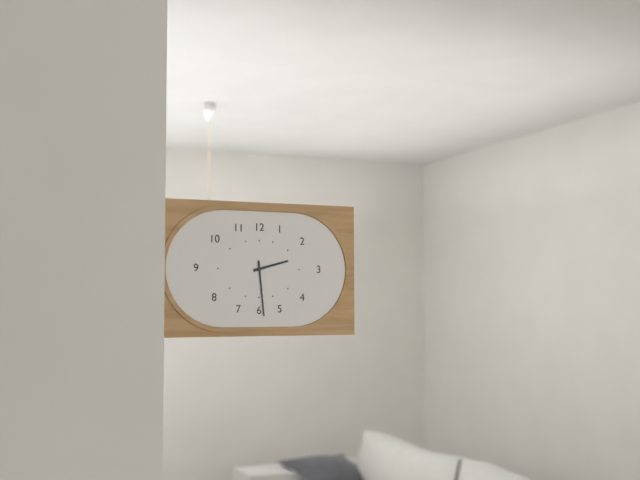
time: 2:29
